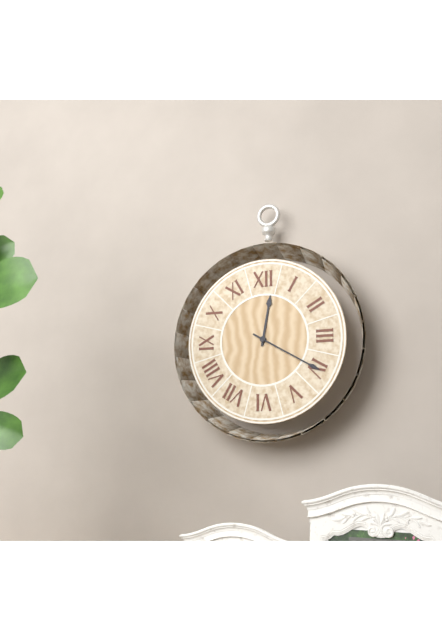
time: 12:20
